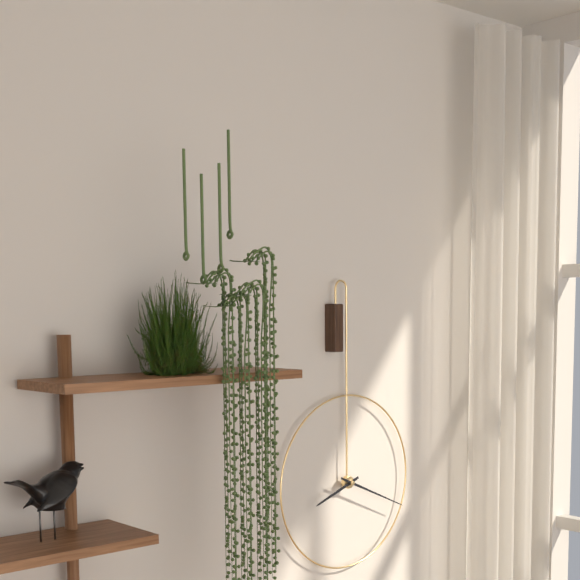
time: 8:19
